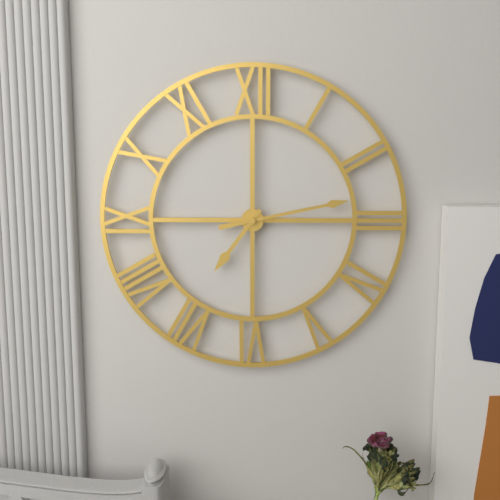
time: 7:13
